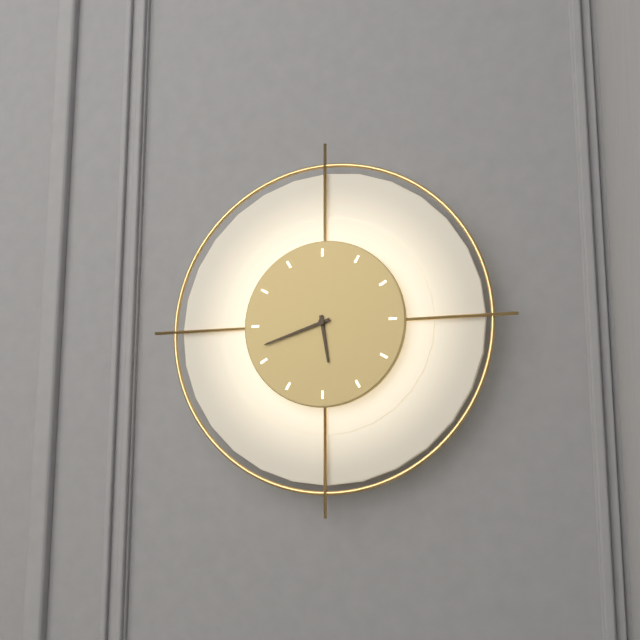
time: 5:42
